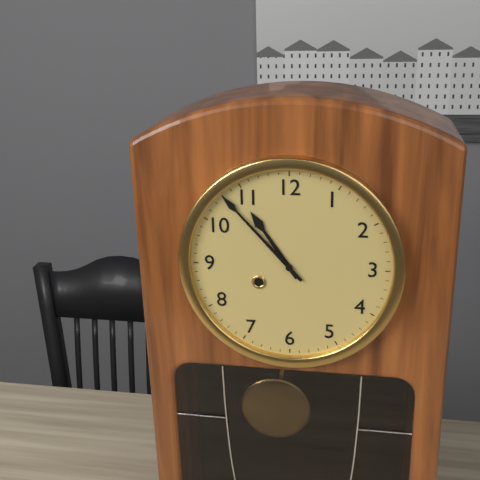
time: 10:53
